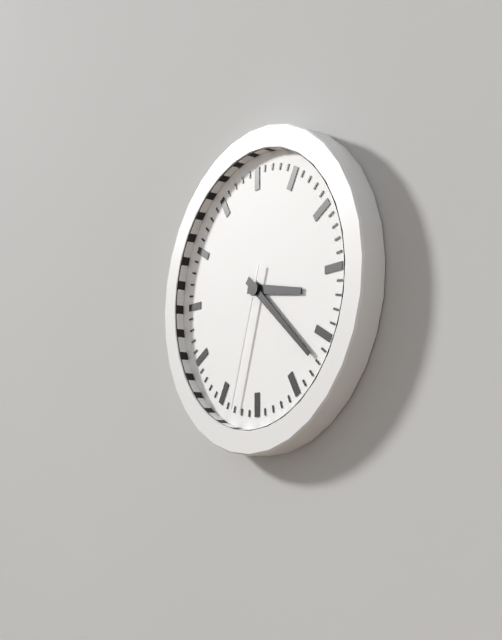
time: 3:22:33
